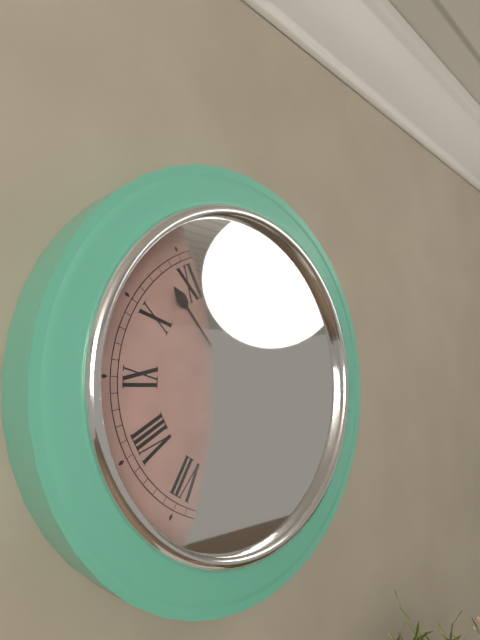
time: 11:53
